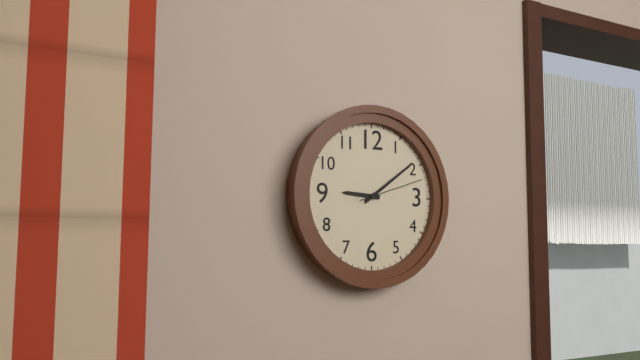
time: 9:09:12
